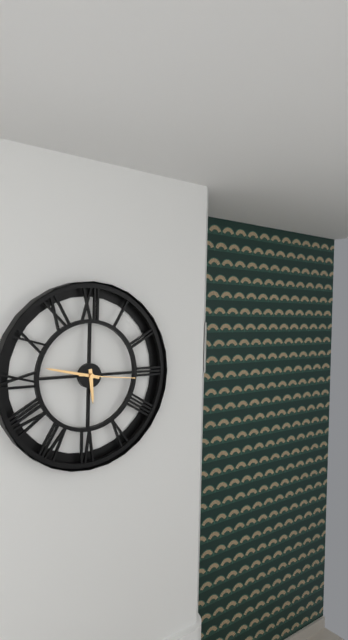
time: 5:47:16
